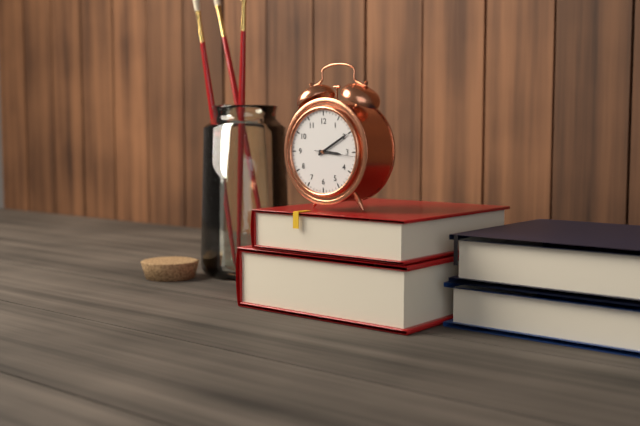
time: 3:10
